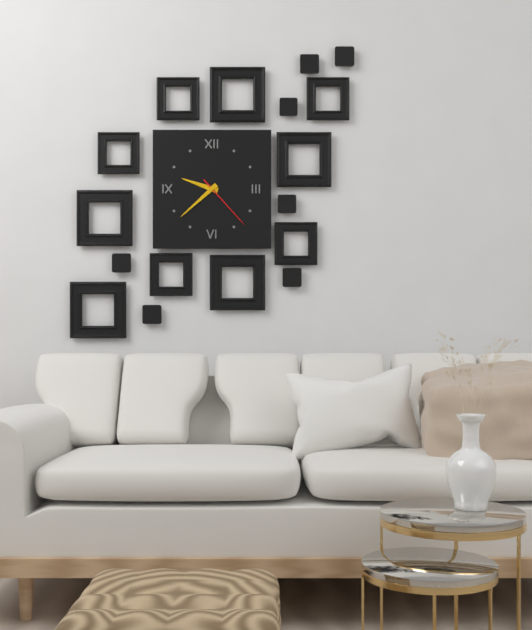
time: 9:38:23
